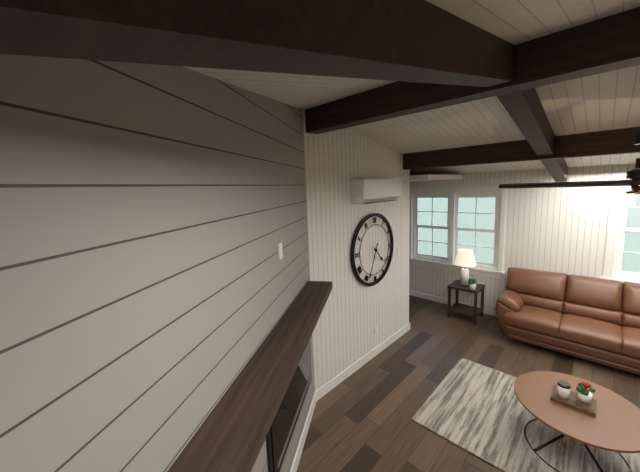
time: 4:34
